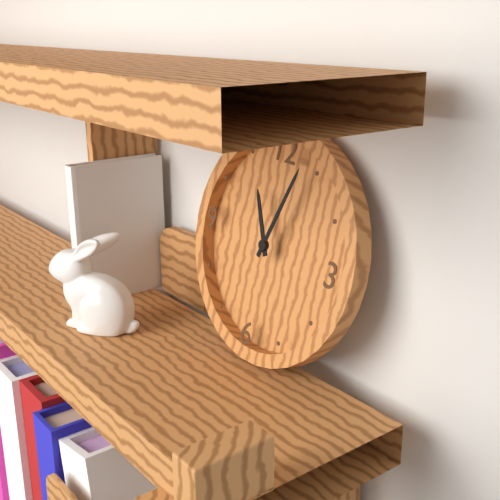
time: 11:03
